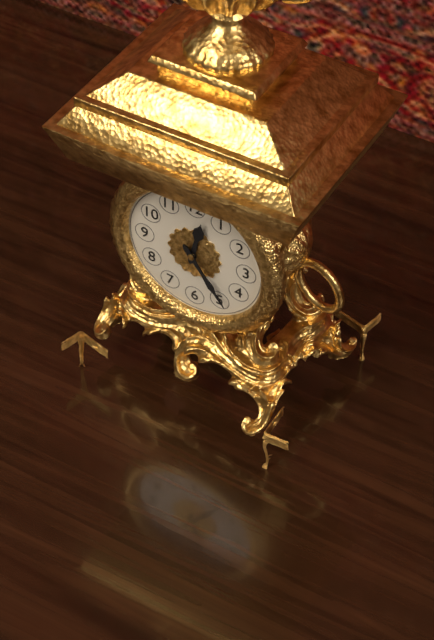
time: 12:24
